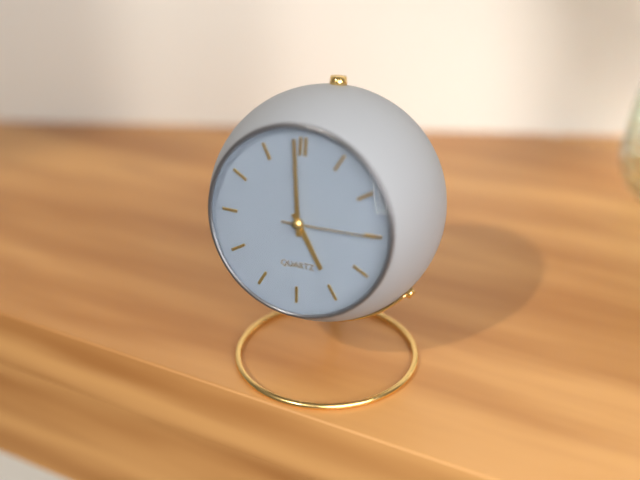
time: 4:59:15
